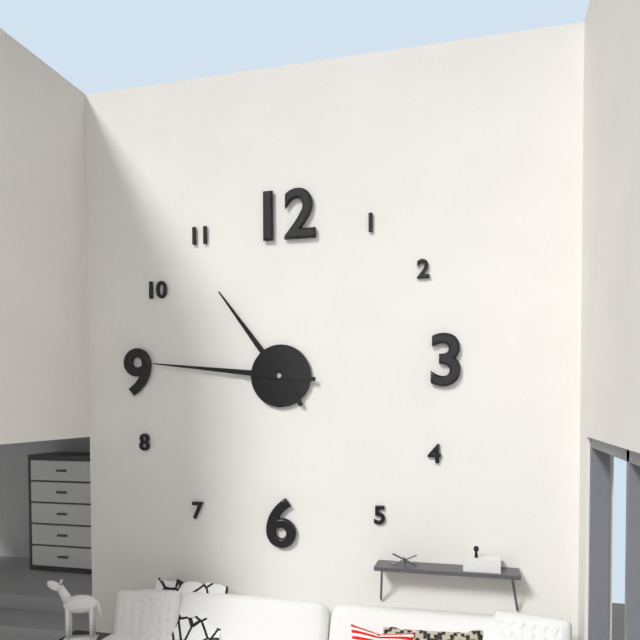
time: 10:46
